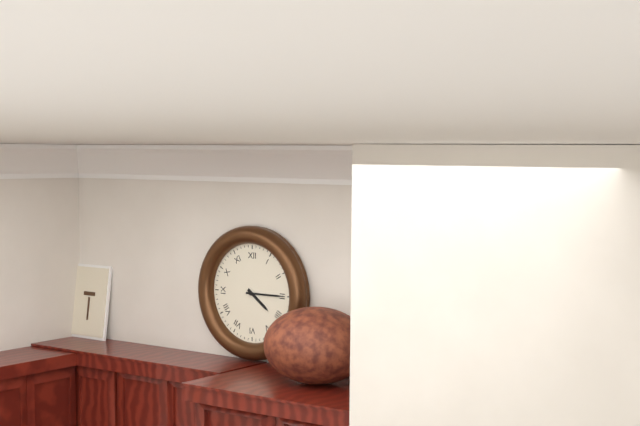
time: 4:15
